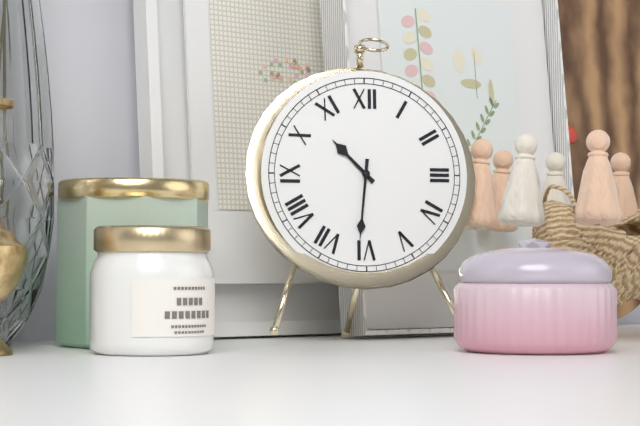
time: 10:31
